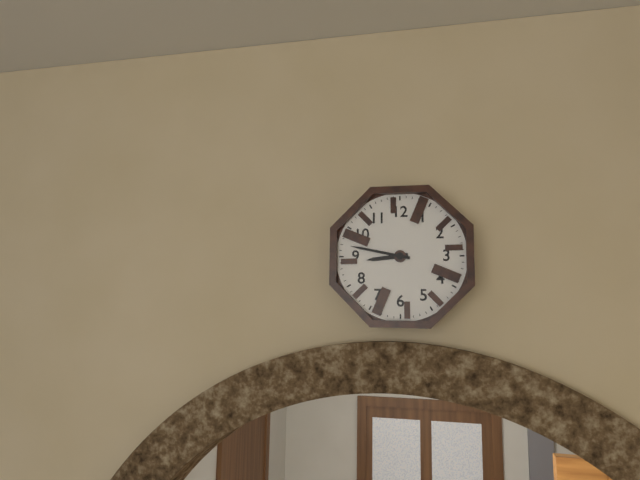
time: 8:47
